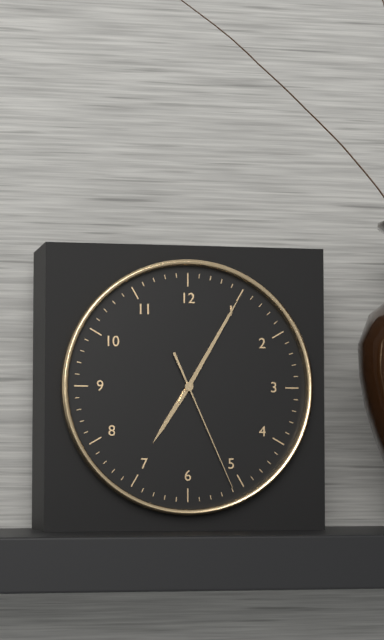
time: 7:05:26
